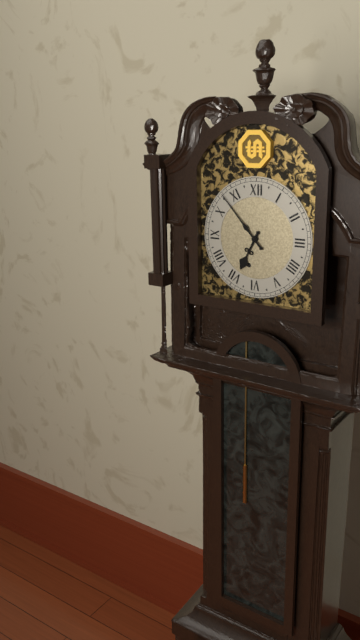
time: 6:53
